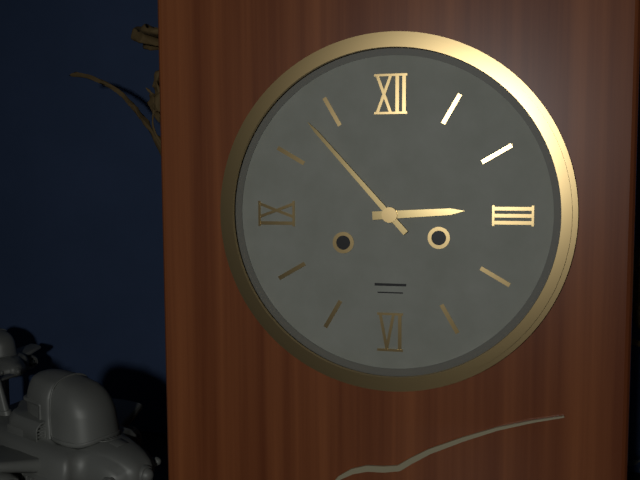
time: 2:53
